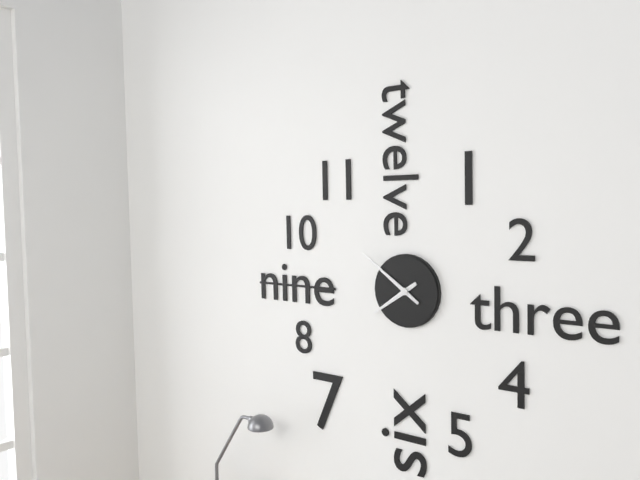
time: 7:51
